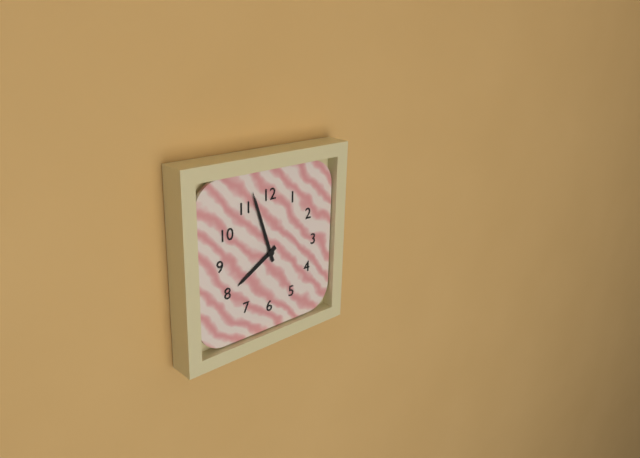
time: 7:57
